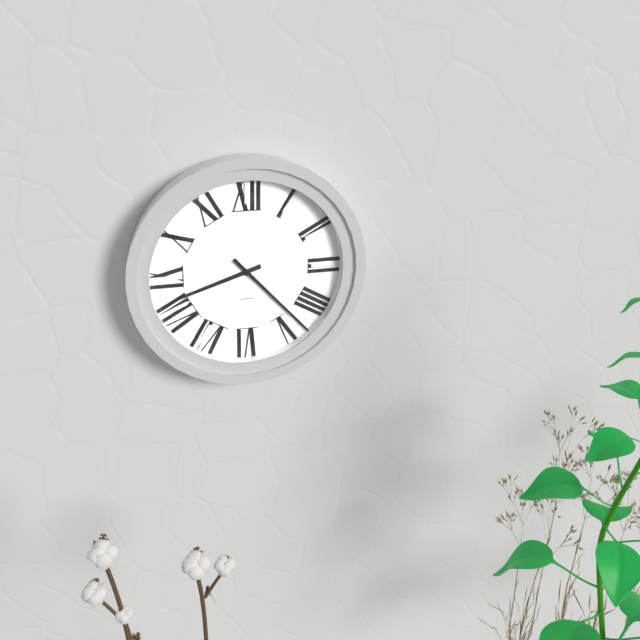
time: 8:23
